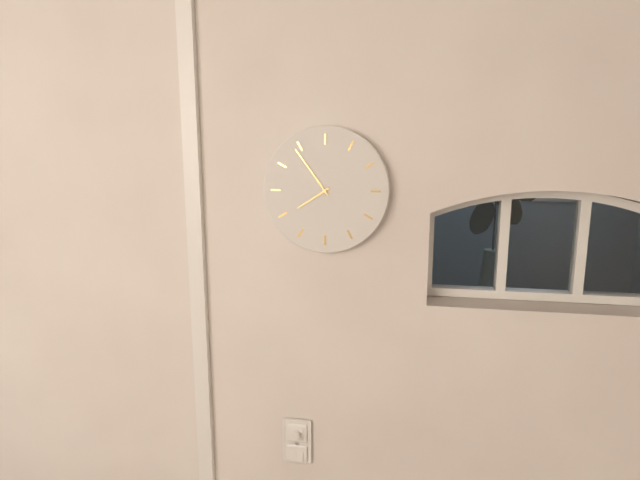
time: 7:54
